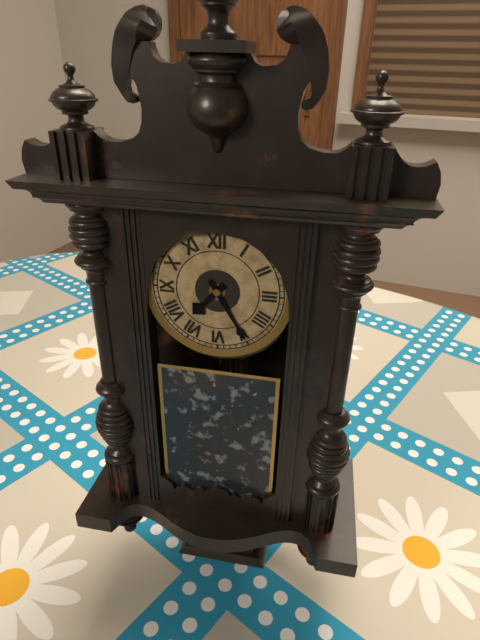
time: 7:25
